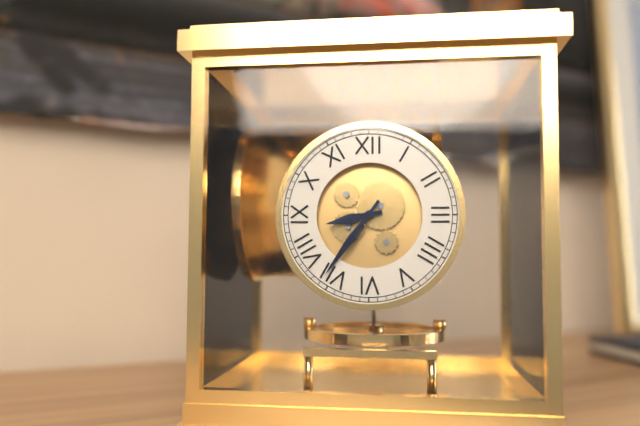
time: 8:36
